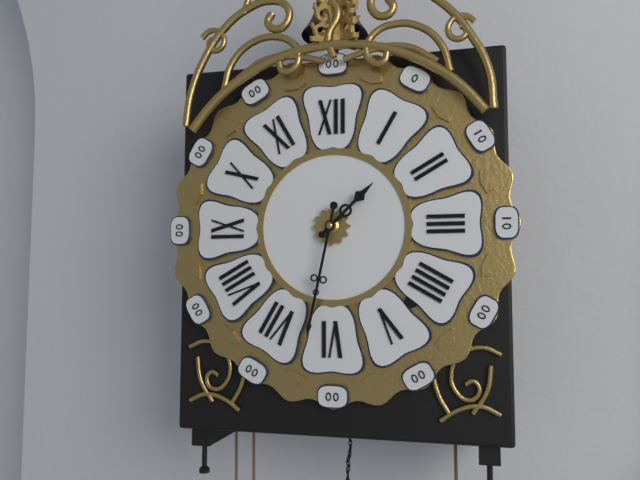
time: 1:32
